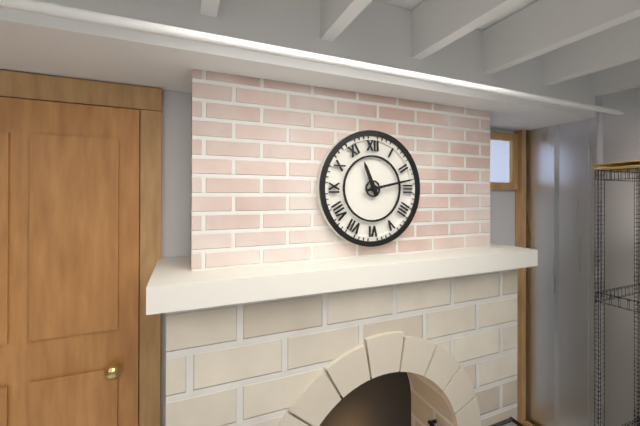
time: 11:13
